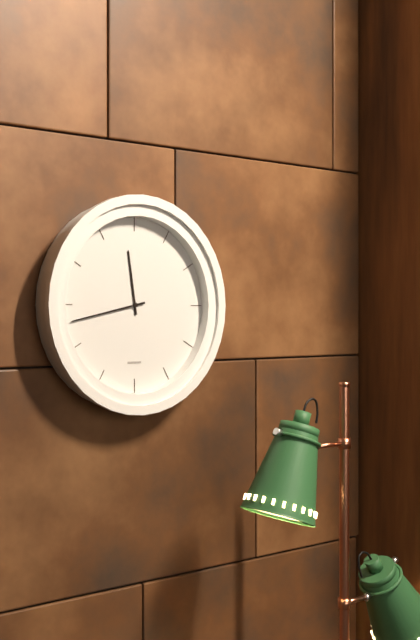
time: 11:43
